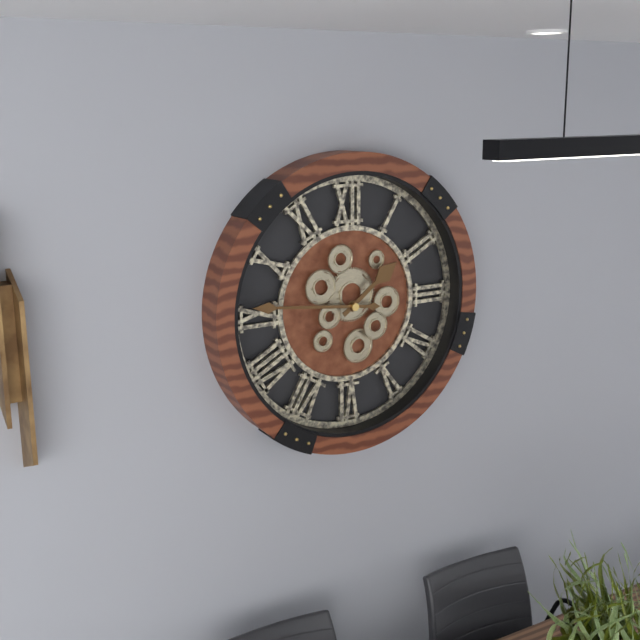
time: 1:46
